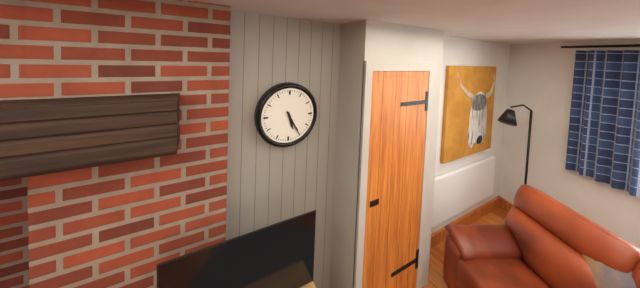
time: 5:25
